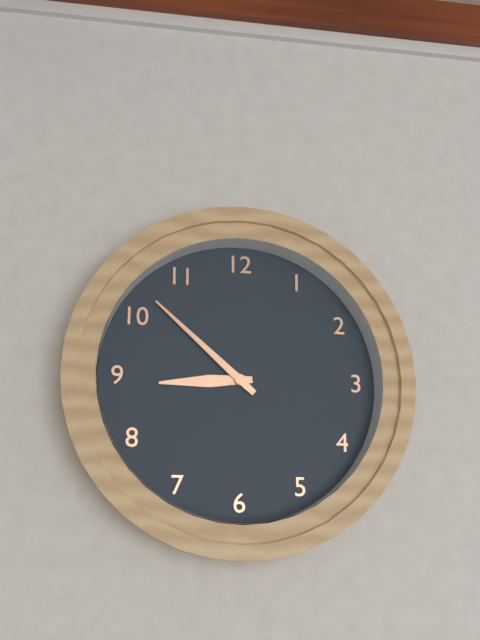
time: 8:52
